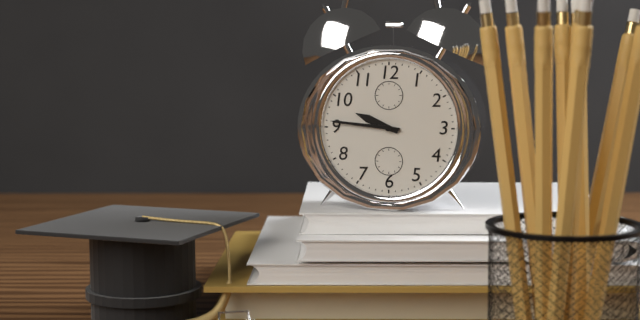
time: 9:46
